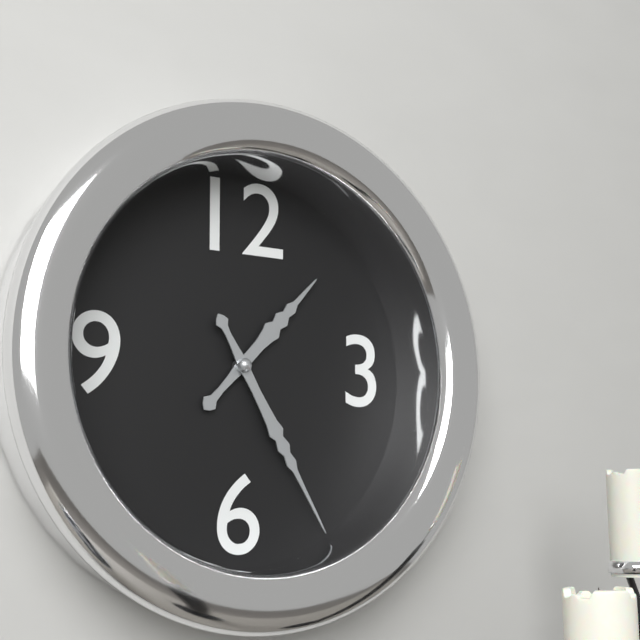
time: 1:25
